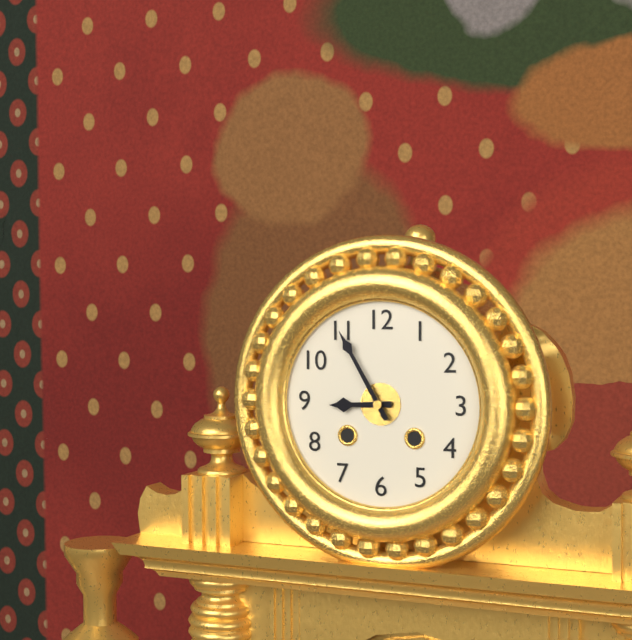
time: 8:55
